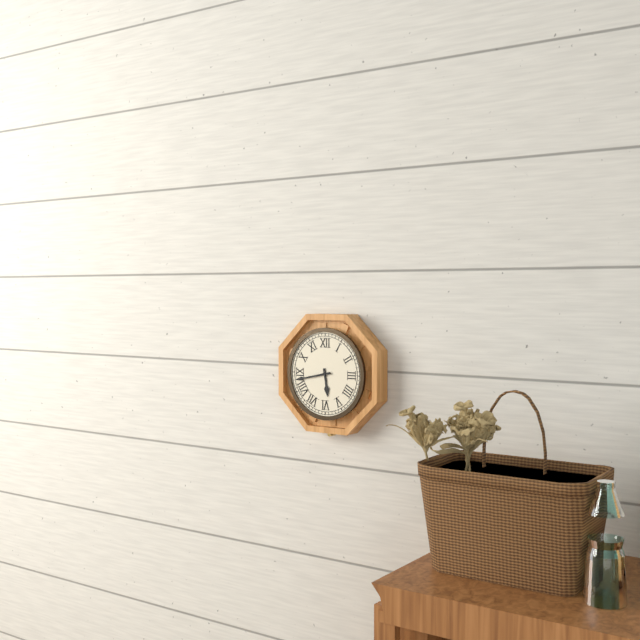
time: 5:43
